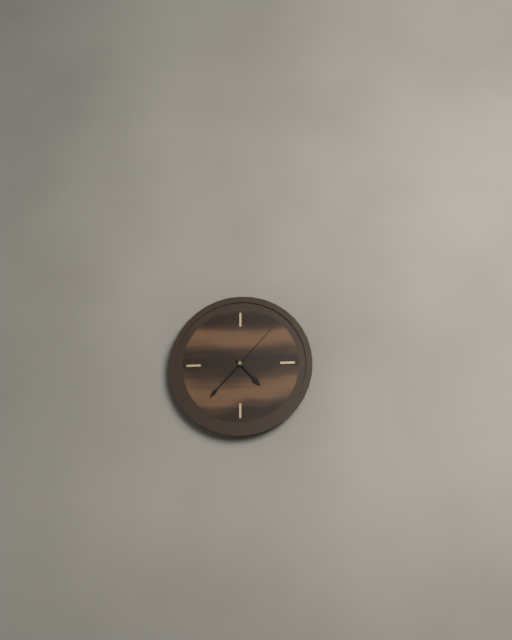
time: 4:37:07
